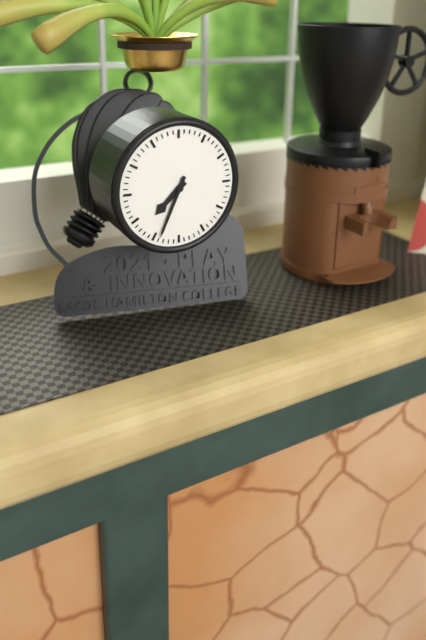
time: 7:34
